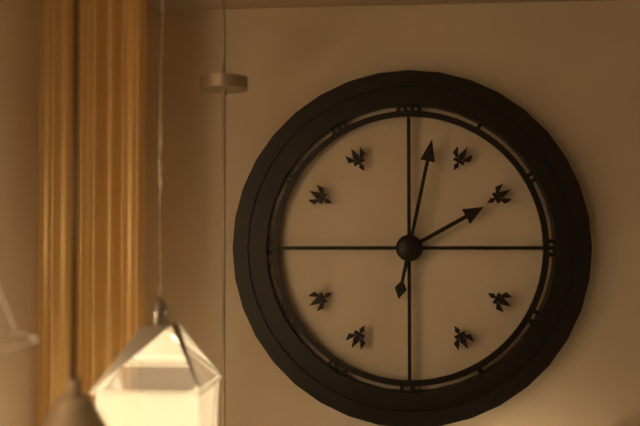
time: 2:02
